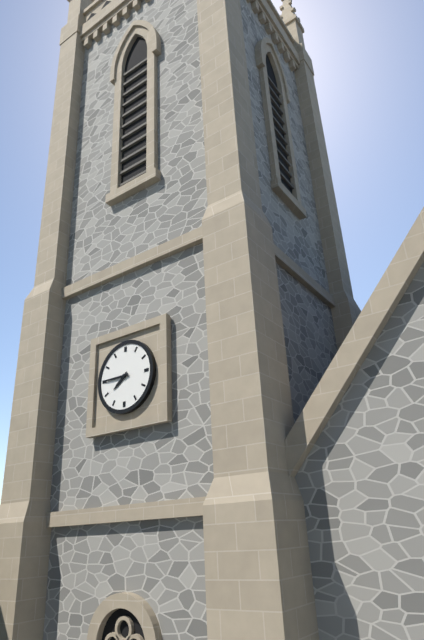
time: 7:45
